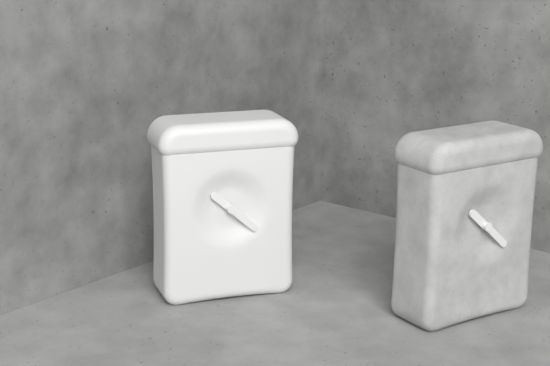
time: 10:22
